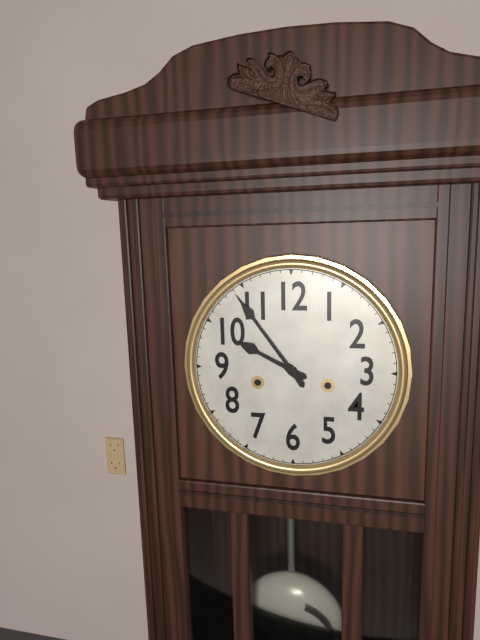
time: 9:54
